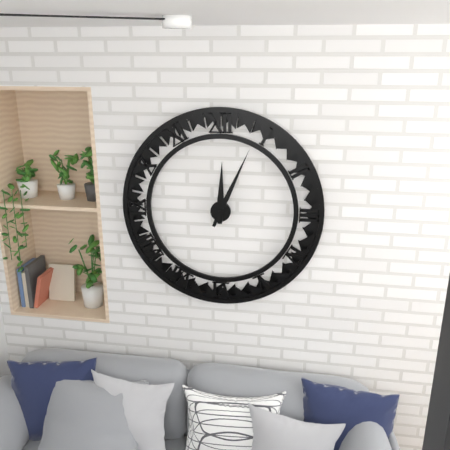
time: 12:04
